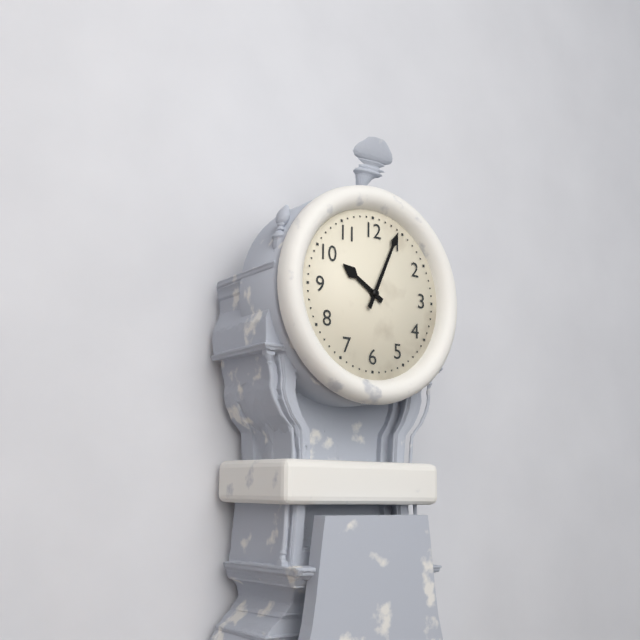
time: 10:04
